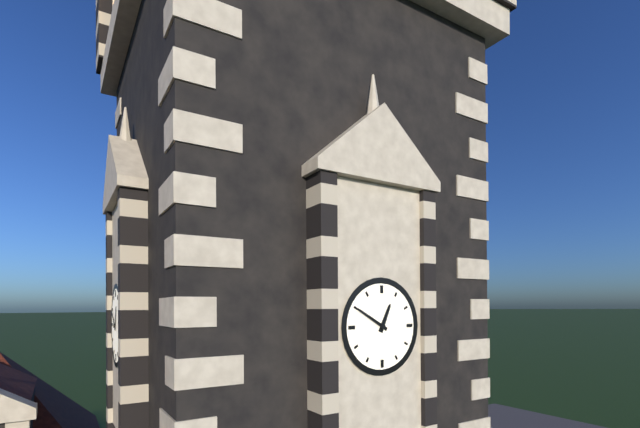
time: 12:50
